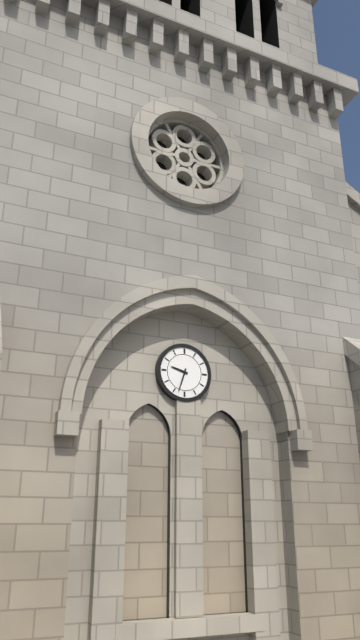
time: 9:33
